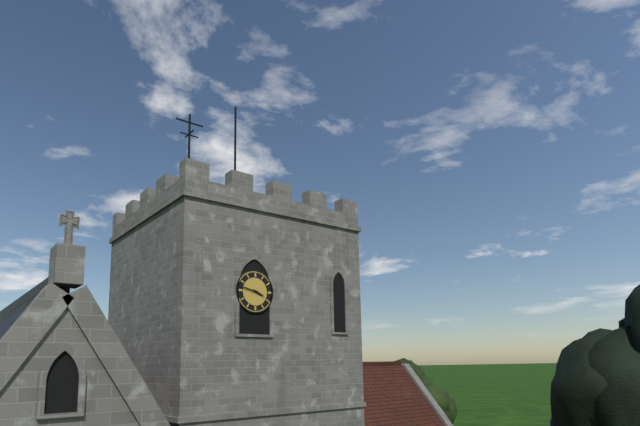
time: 3:47
